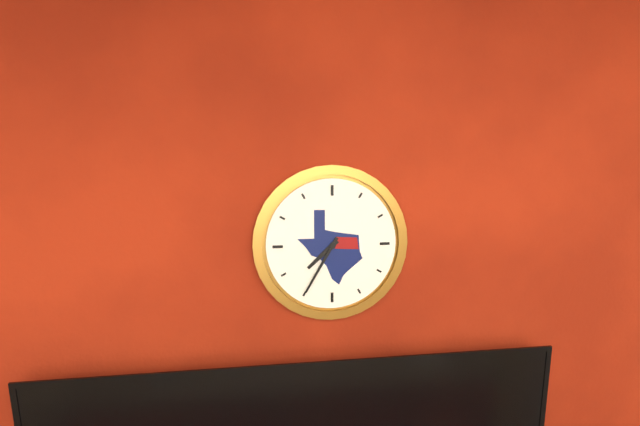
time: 7:35
